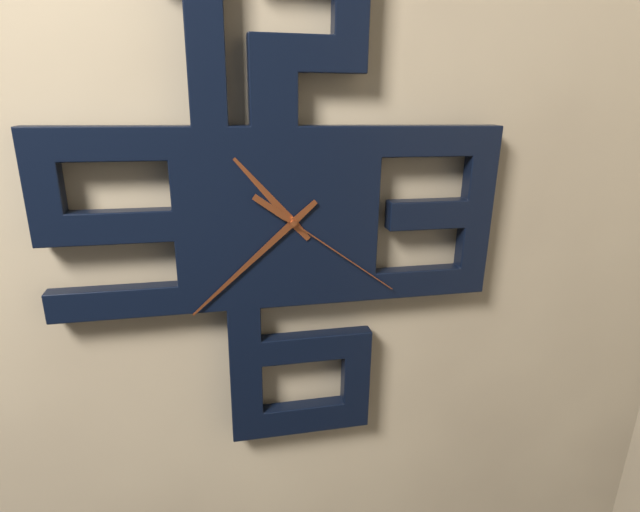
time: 10:38:21
